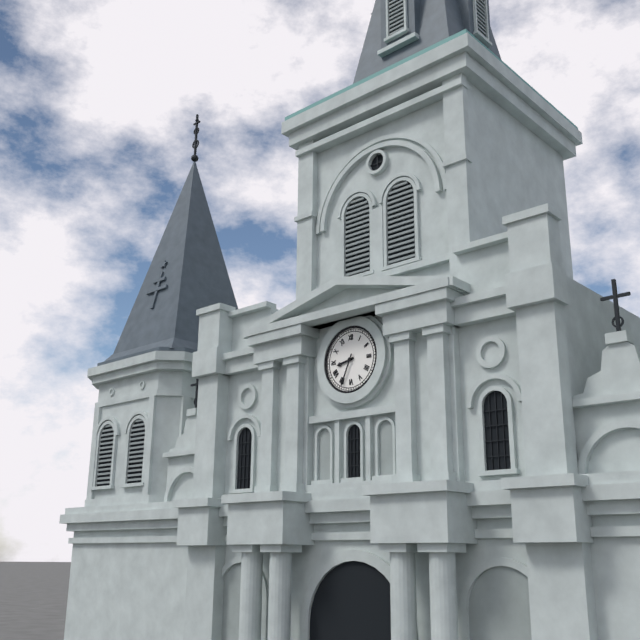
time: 8:34
